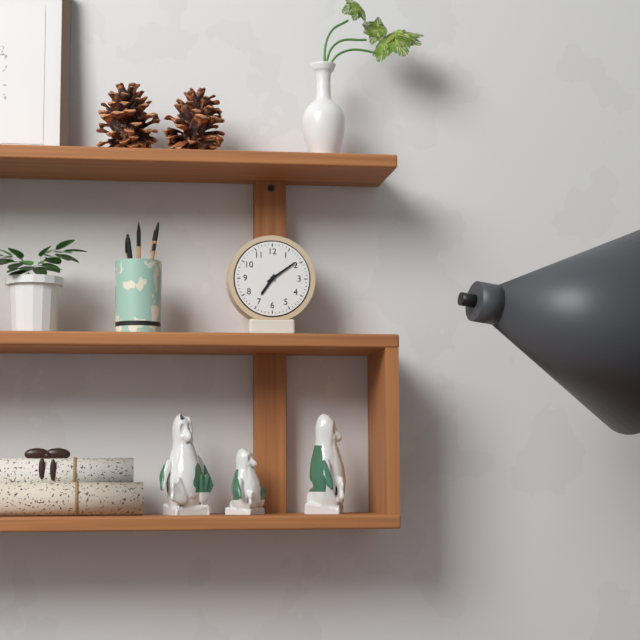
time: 7:09
